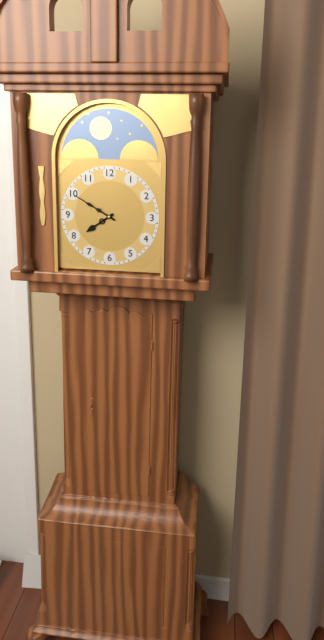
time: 7:50
